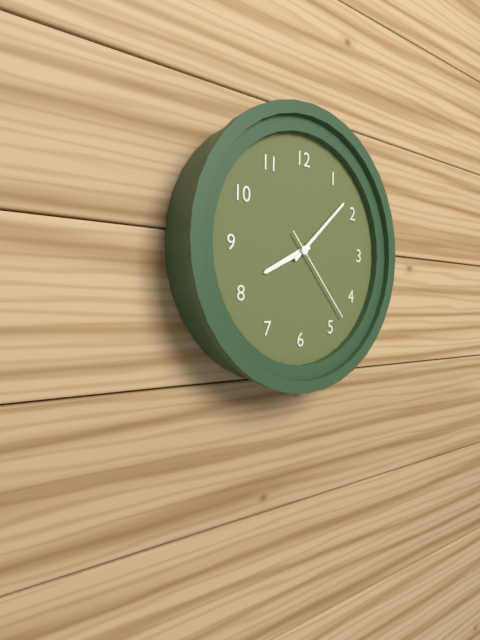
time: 8:08:23
